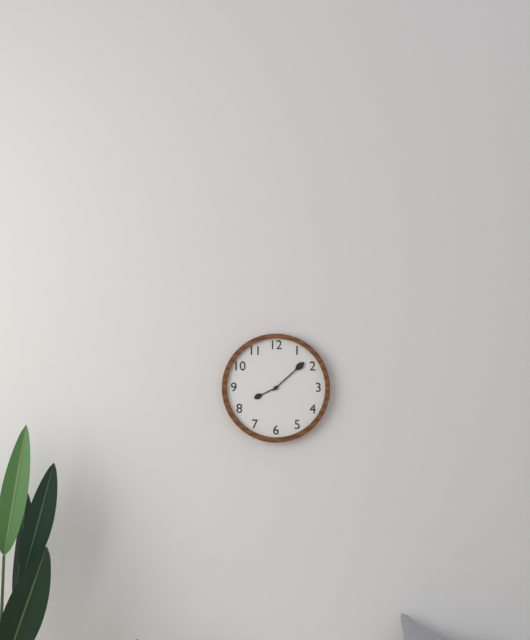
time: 8:08
